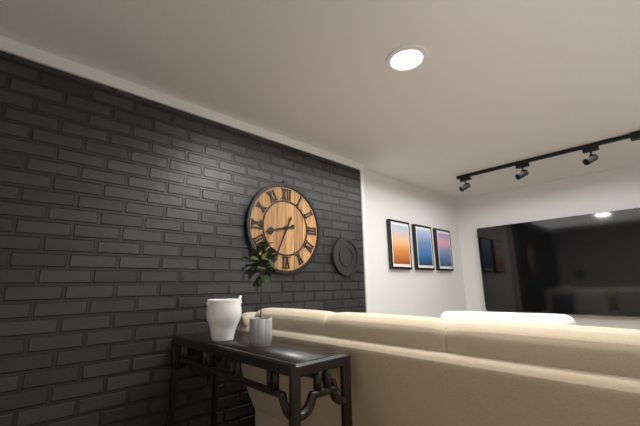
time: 8:34
